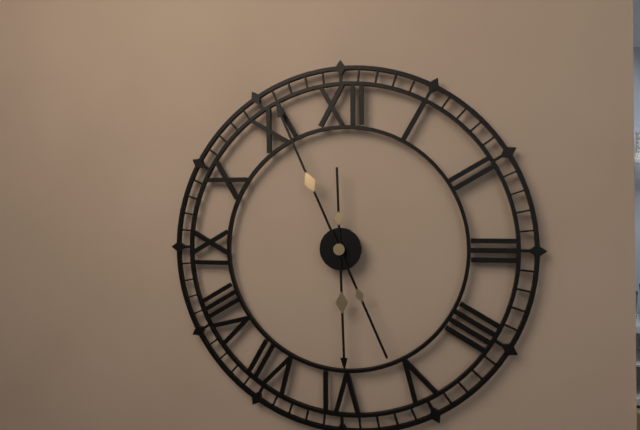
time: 5:56
